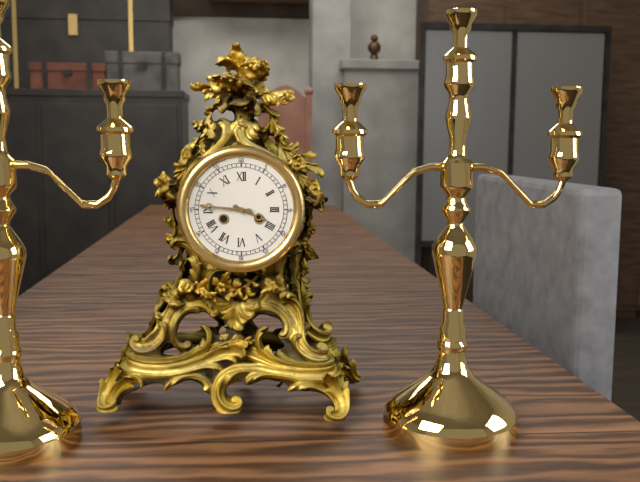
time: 3:46
